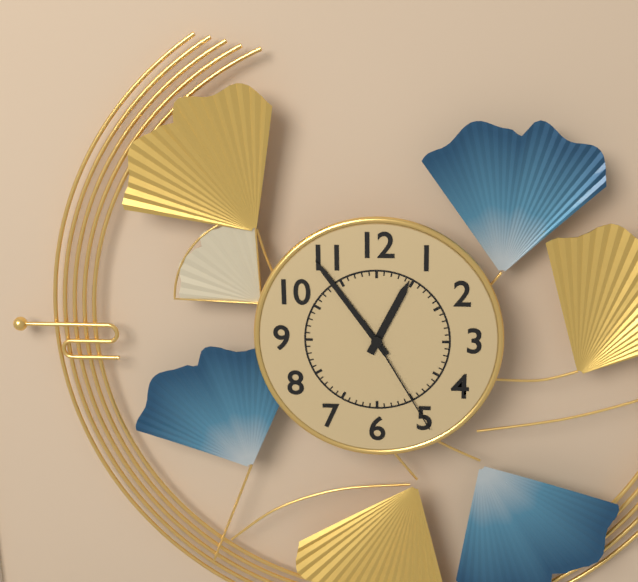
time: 12:54:25
